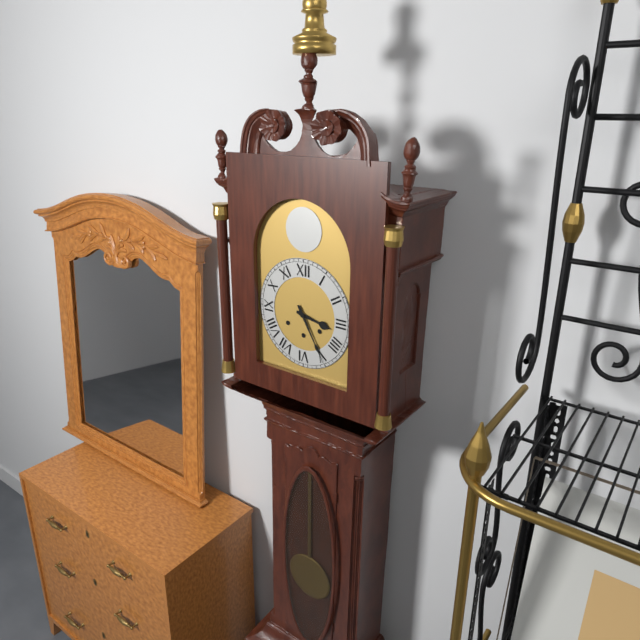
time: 3:25
